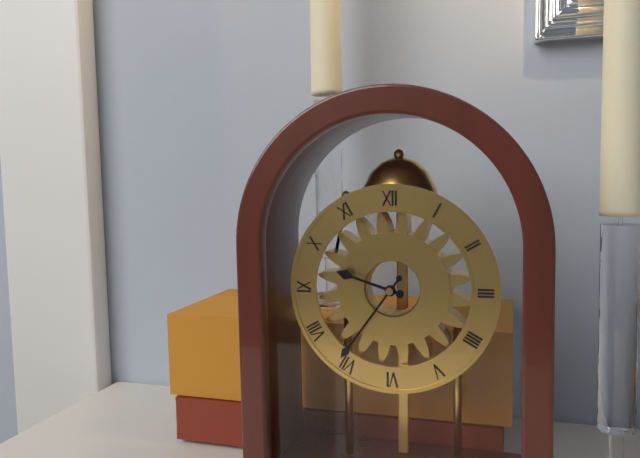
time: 9:36
